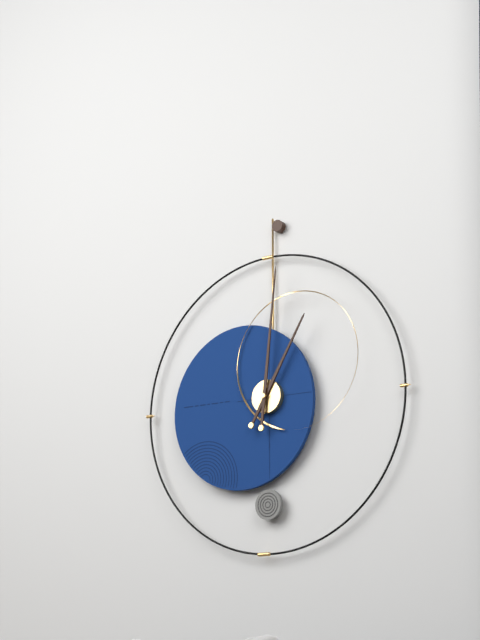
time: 1:01
